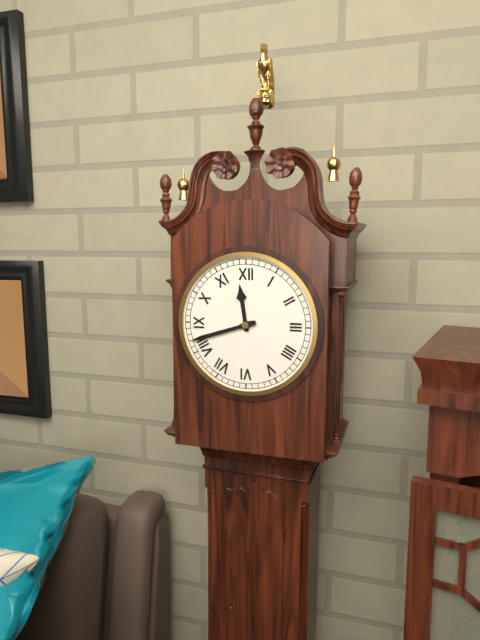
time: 11:42
